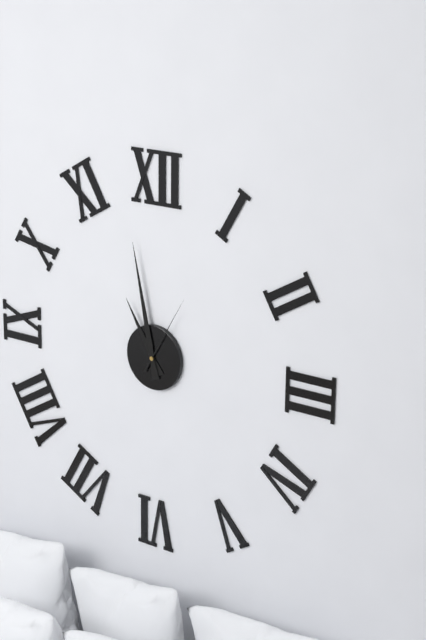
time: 10:58:05
